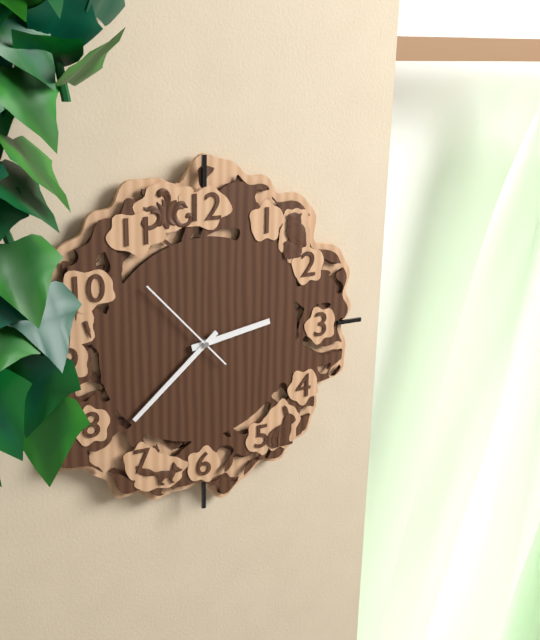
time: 2:38:53
